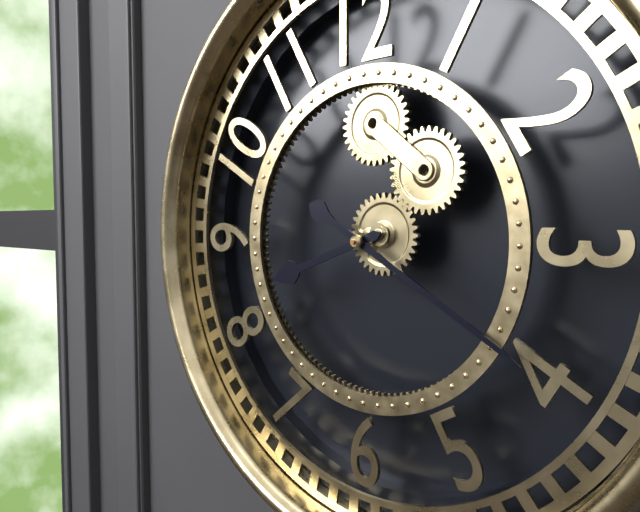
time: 8:20
